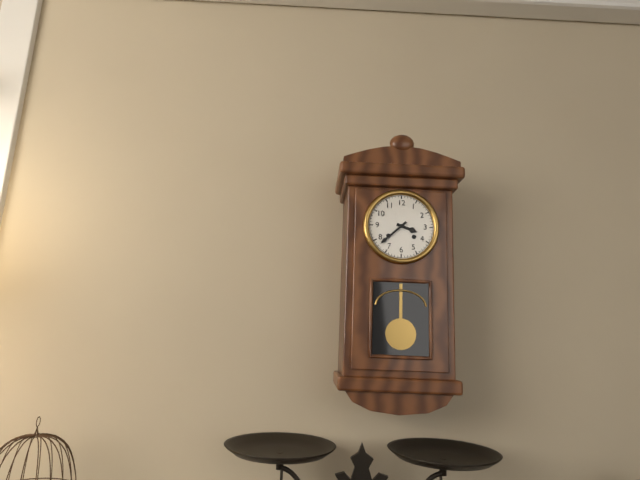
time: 3:38
